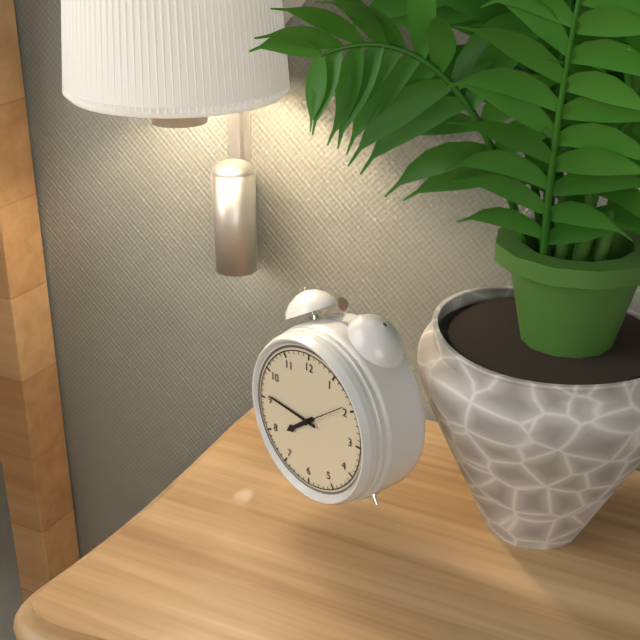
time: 7:46
